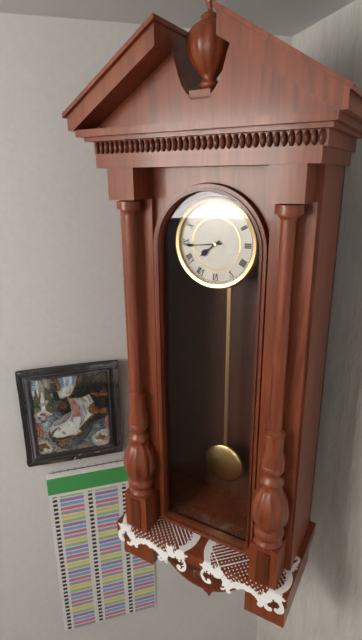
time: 7:44
